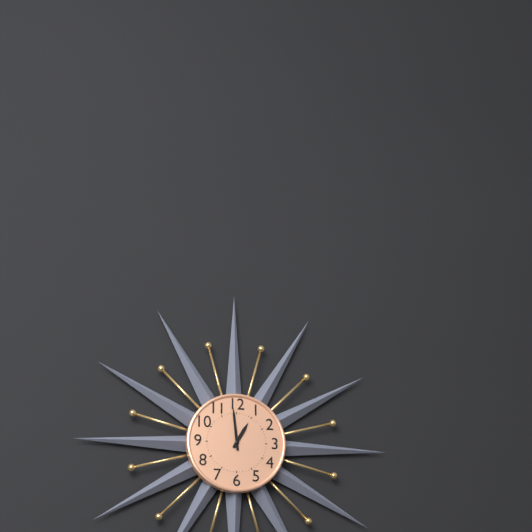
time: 12:59
